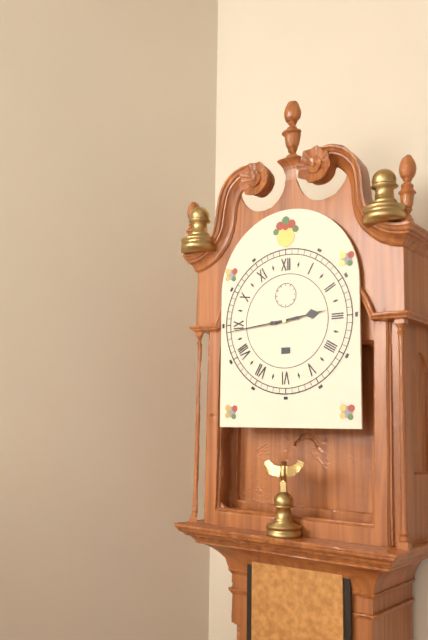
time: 2:44
